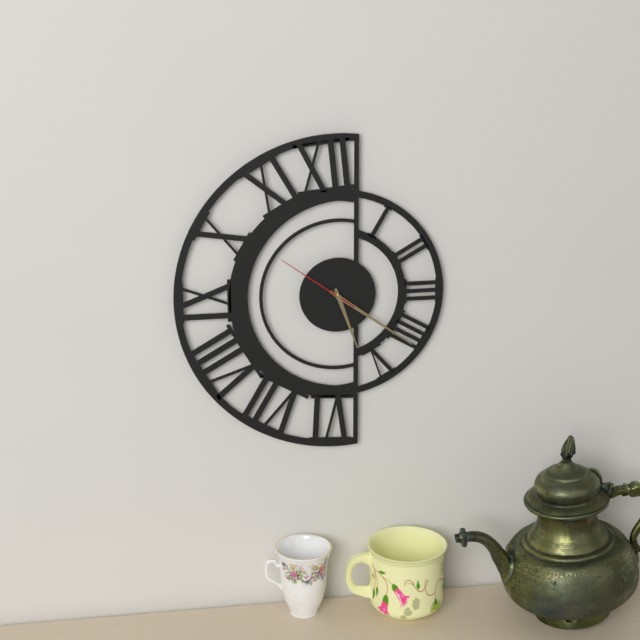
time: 5:21:51
